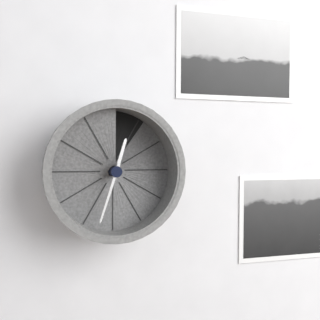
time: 12:33
